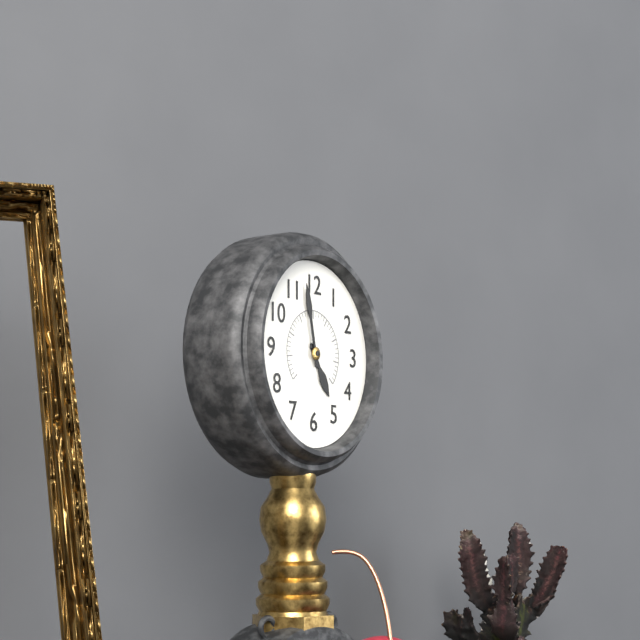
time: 4:58
